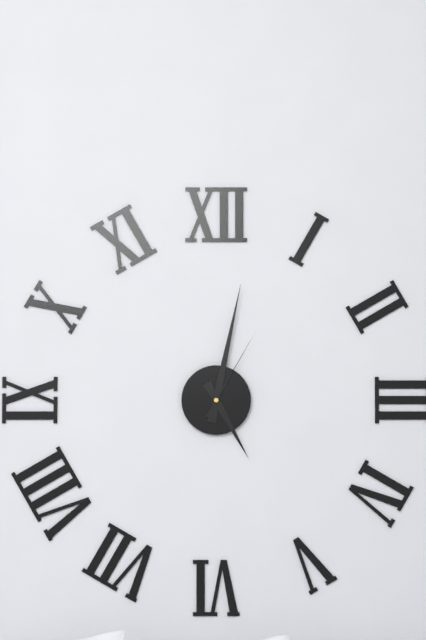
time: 5:02:05
